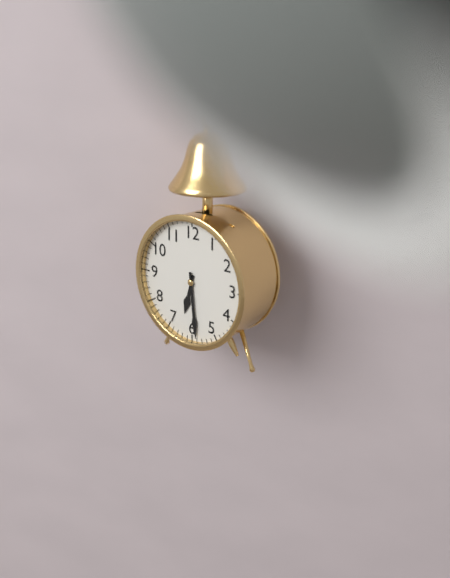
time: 6:29
